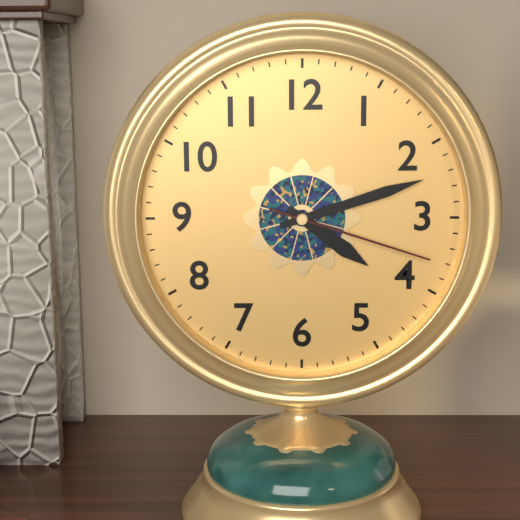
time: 4:12:18
